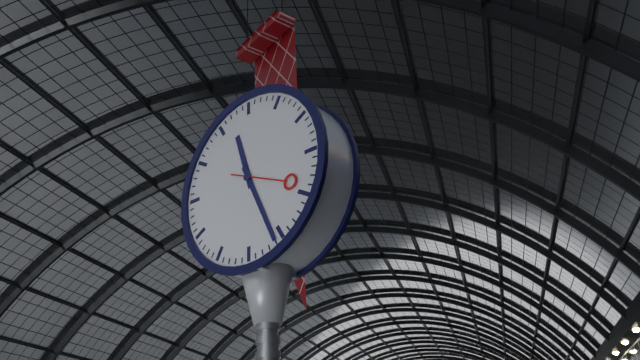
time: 11:26:19
